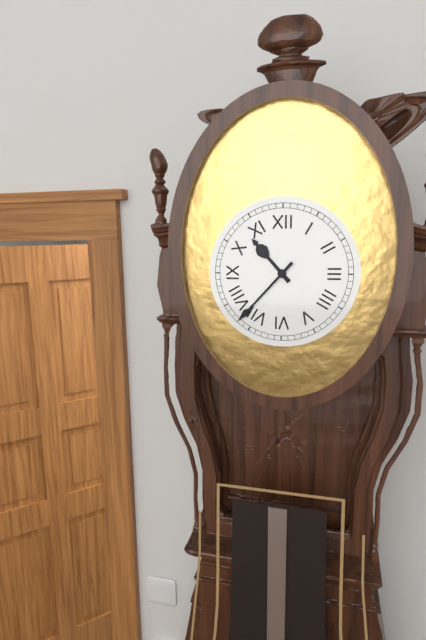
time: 10:37
